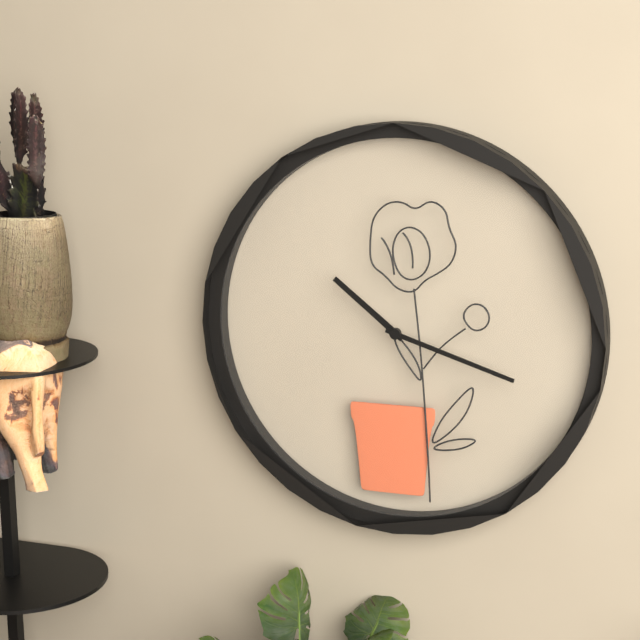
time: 10:18
